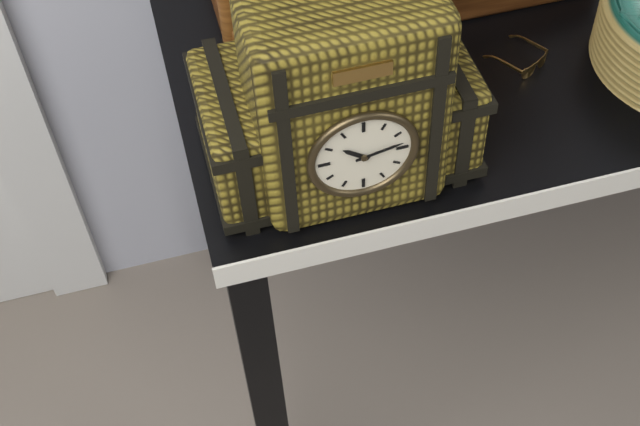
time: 10:13
